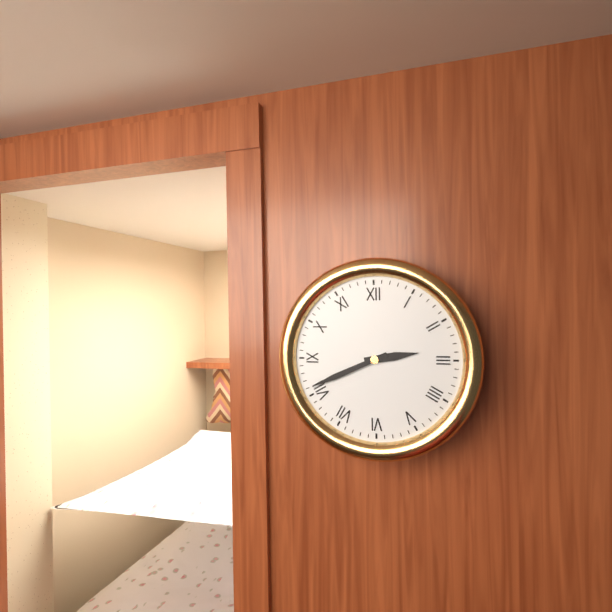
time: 2:41
